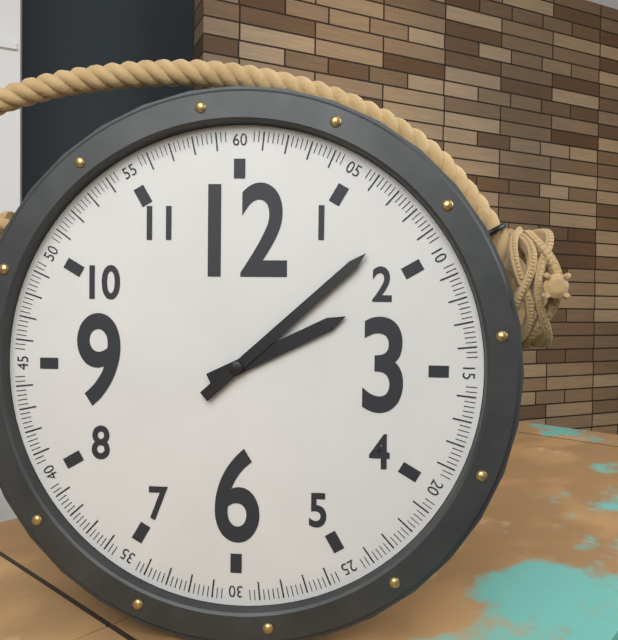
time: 2:08
